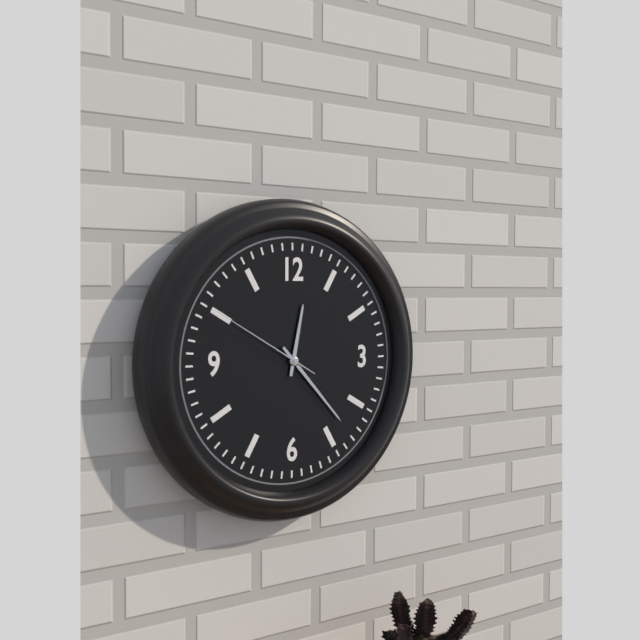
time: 12:23:50
